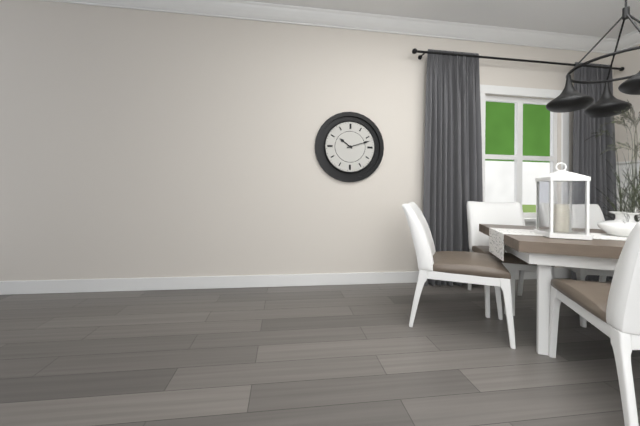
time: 10:12
